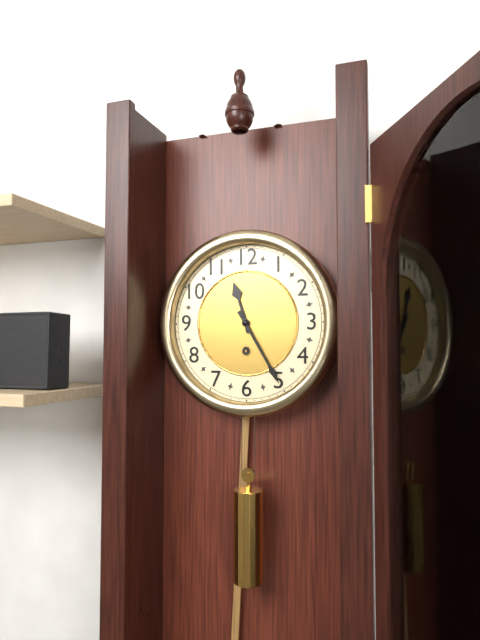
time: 11:25
